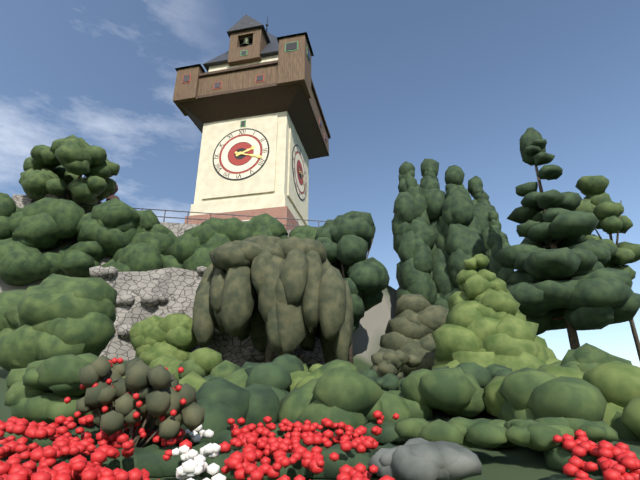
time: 2:18
